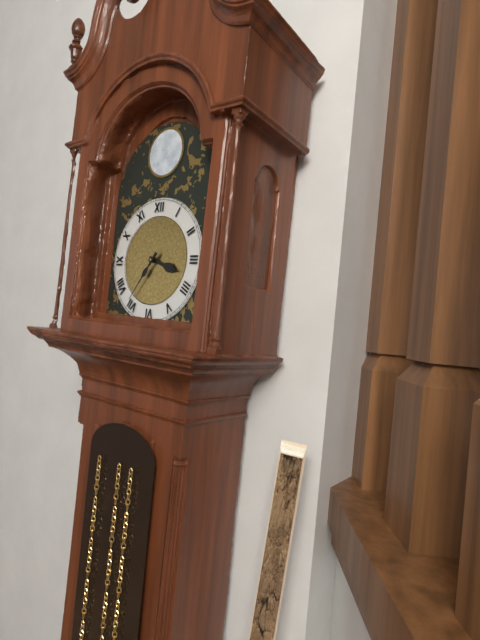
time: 3:36
